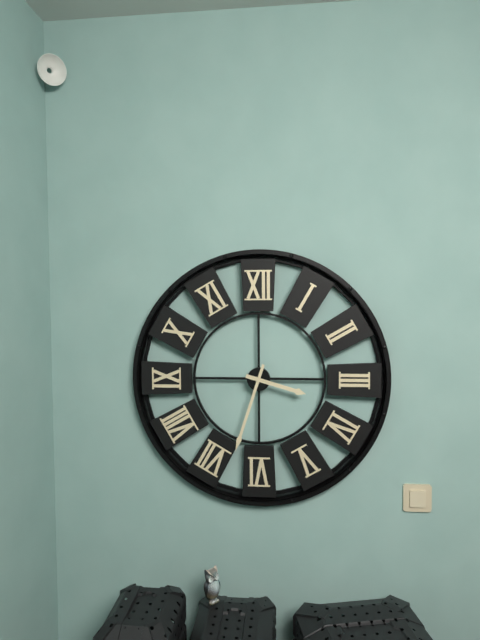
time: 3:33
